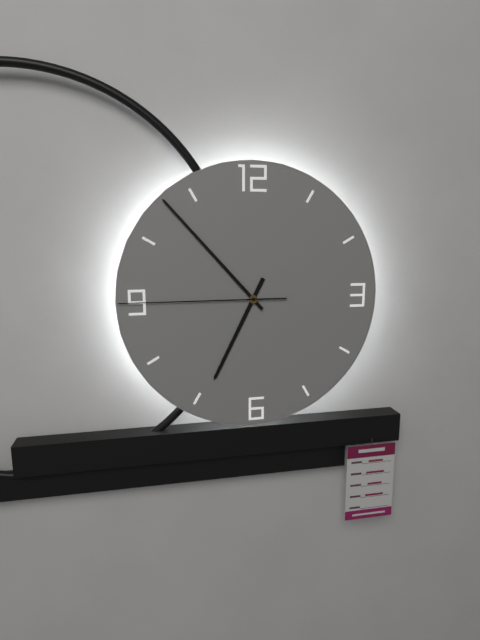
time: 6:53:45
